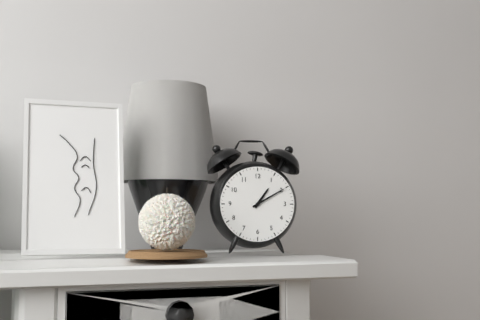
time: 1:10
